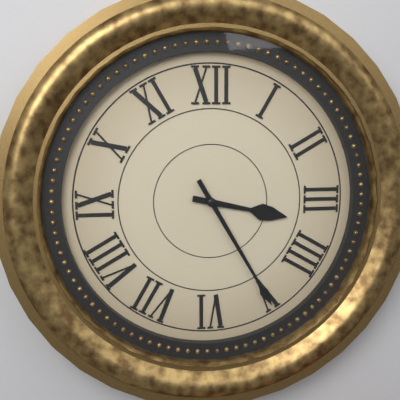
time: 3:25
